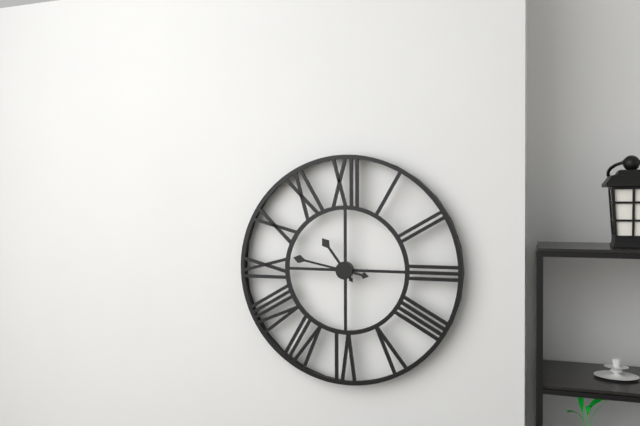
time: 10:47
